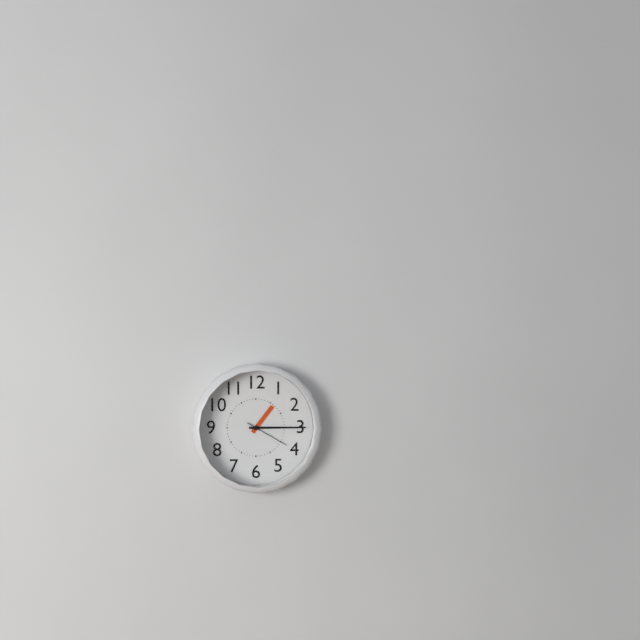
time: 1:15
